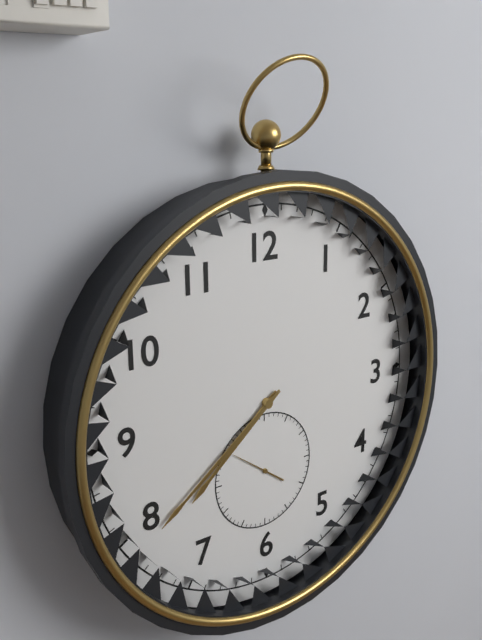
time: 7:39
